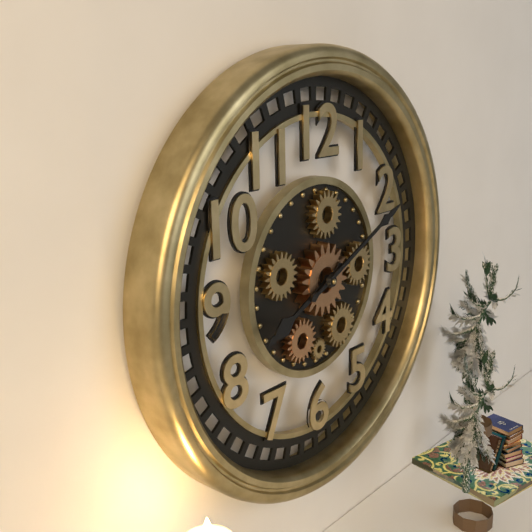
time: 8:11
